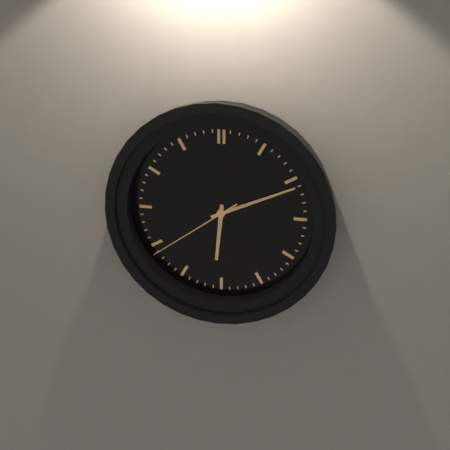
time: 6:11:39
